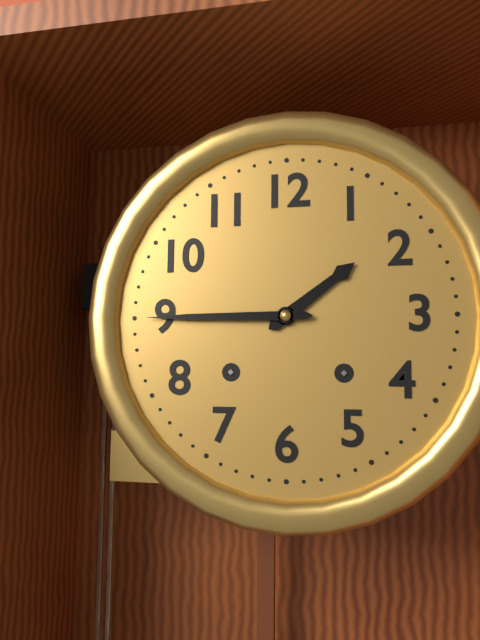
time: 1:45
